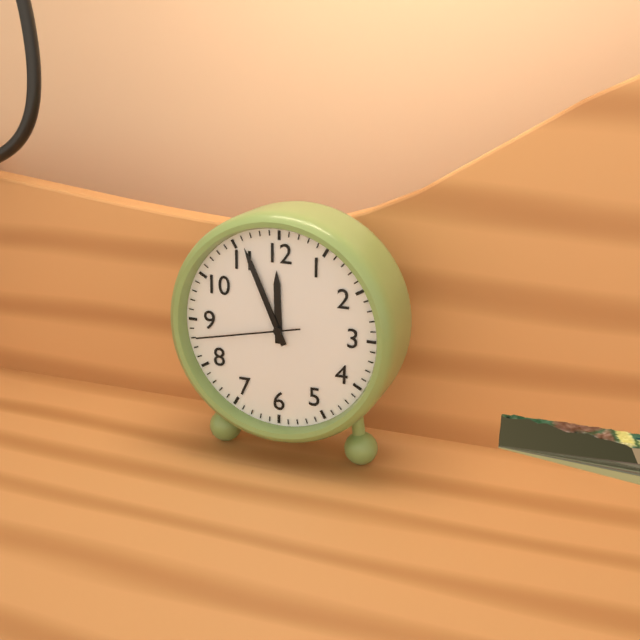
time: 11:56:43
